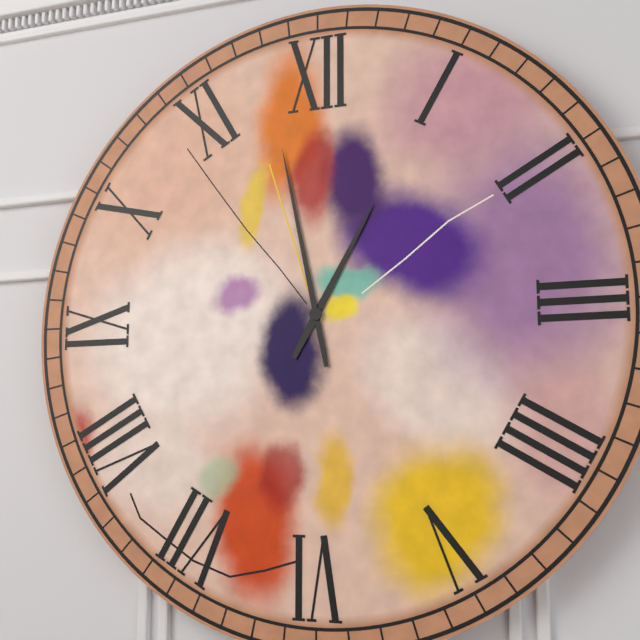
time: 12:58
